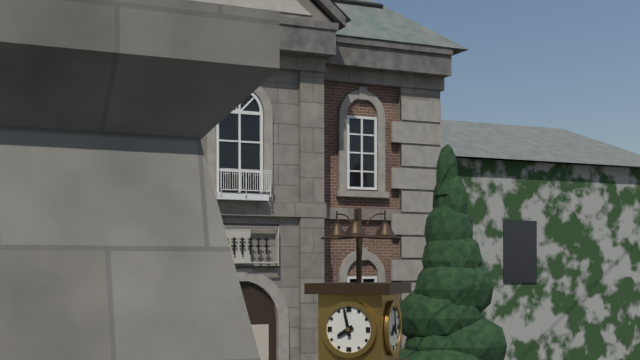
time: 7:58
